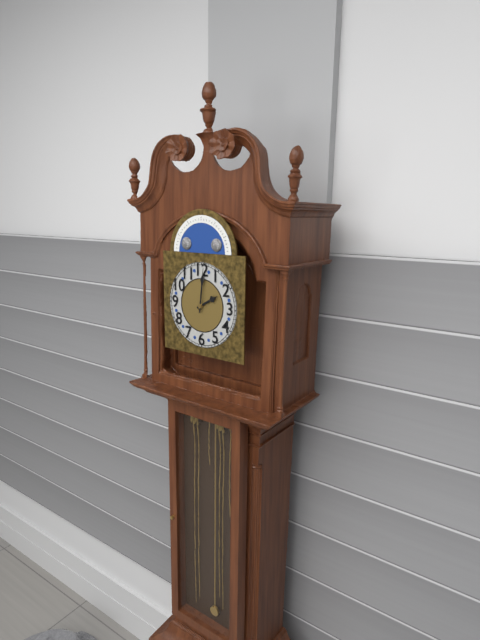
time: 2:01
